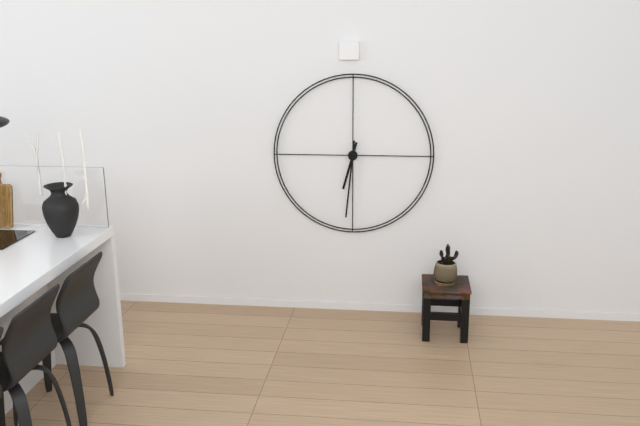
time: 6:31
